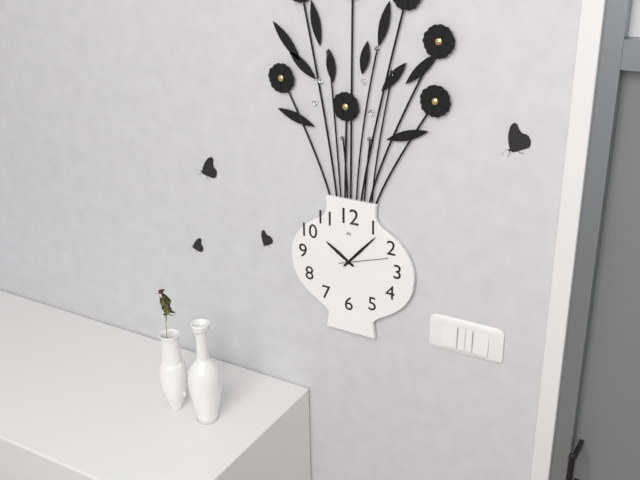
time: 10:07:12
